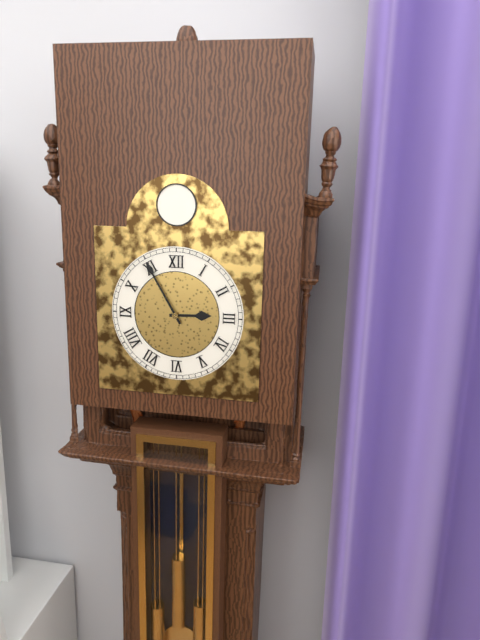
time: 2:55
